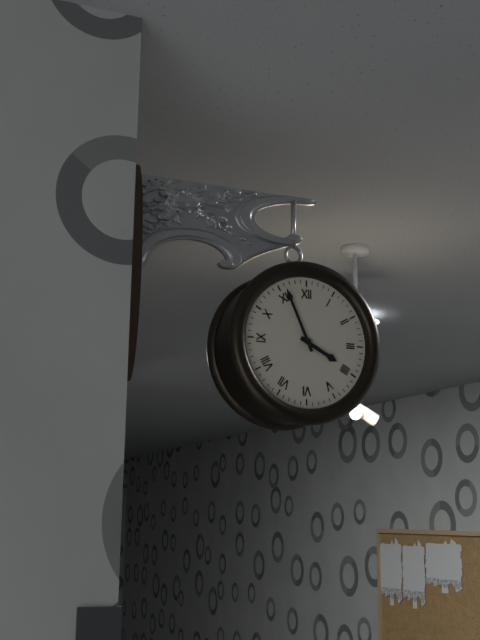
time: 3:56
